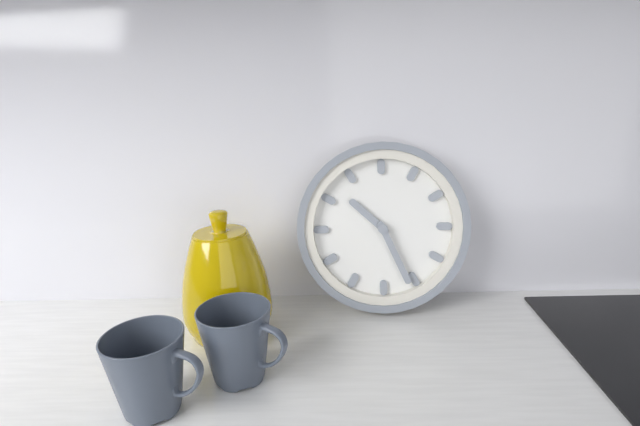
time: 10:26
